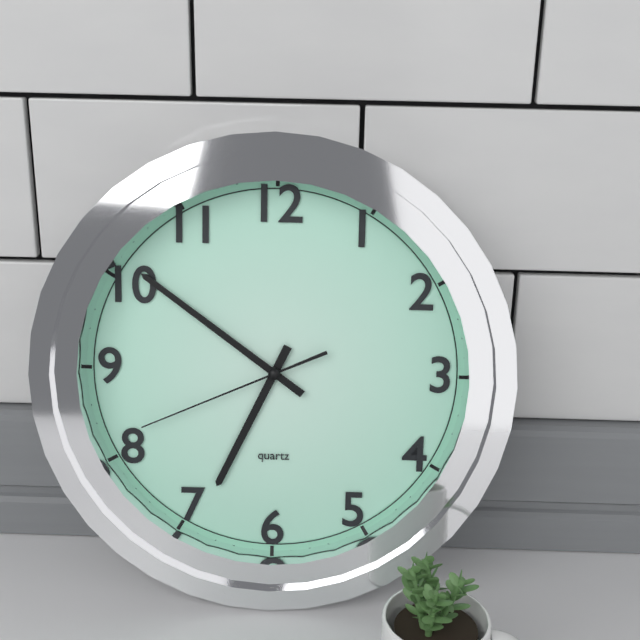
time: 6:51:41
